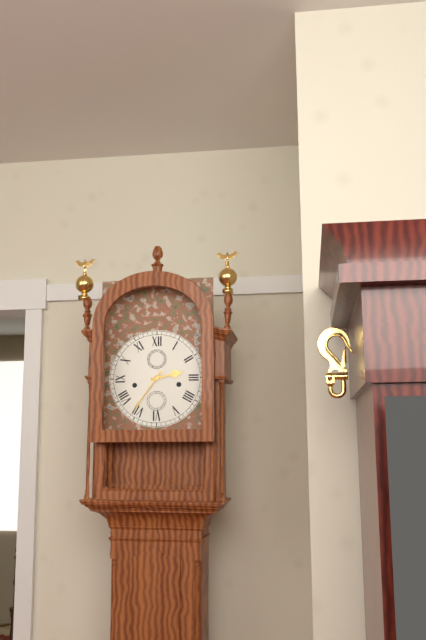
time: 2:36
